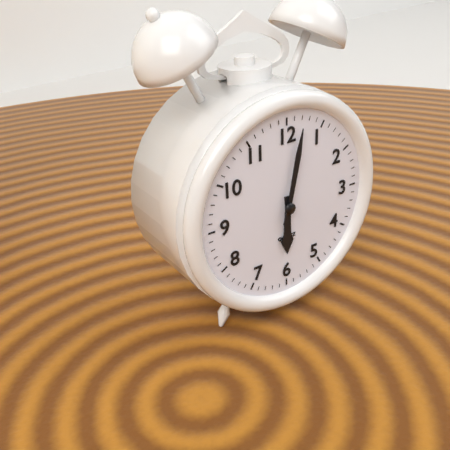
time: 6:02
